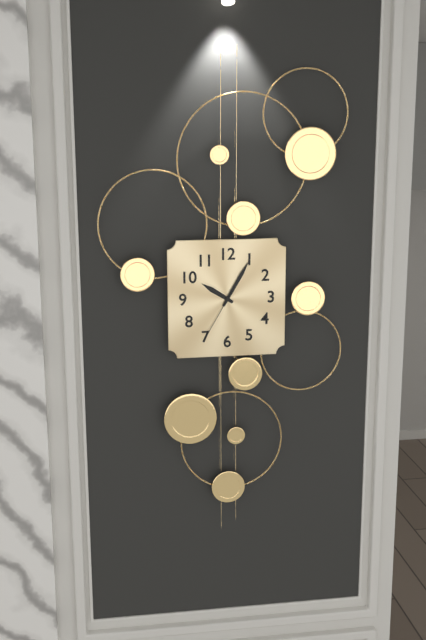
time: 10:05:35
